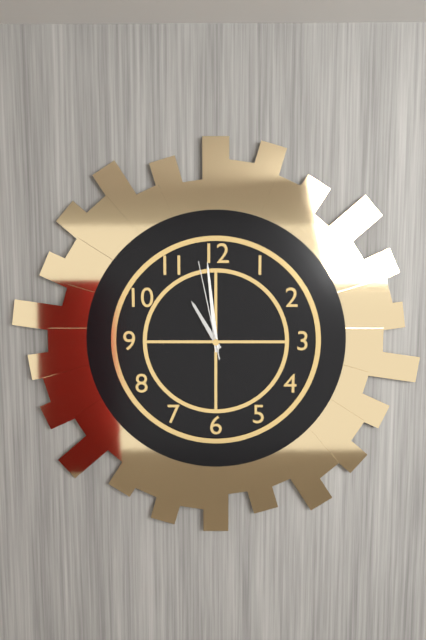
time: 10:59:58
